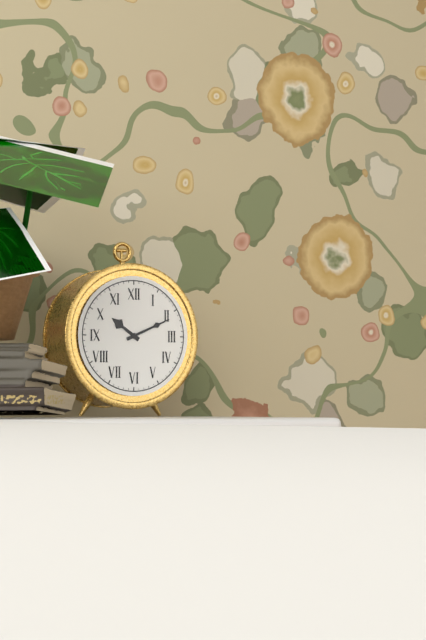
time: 10:11
